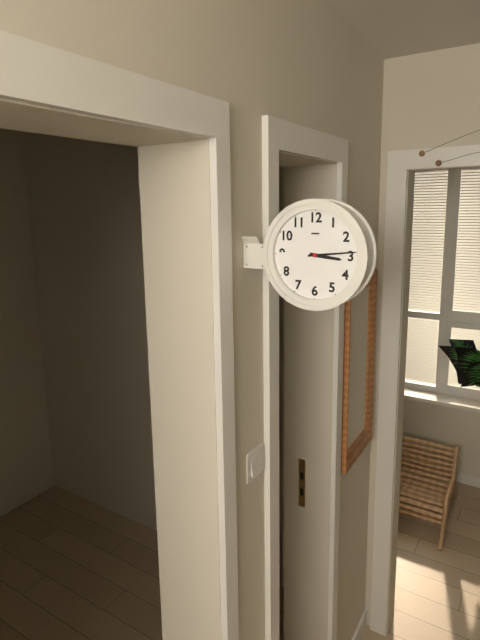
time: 3:14
